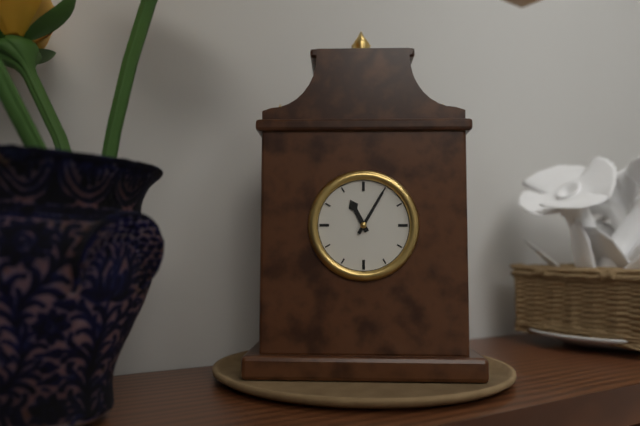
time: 11:05
